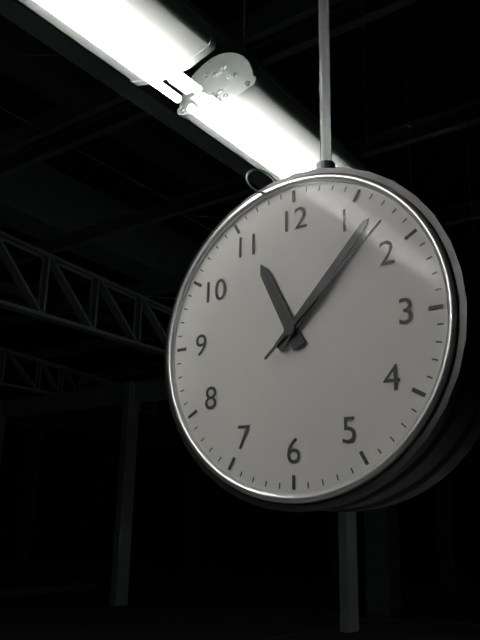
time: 11:07:08
